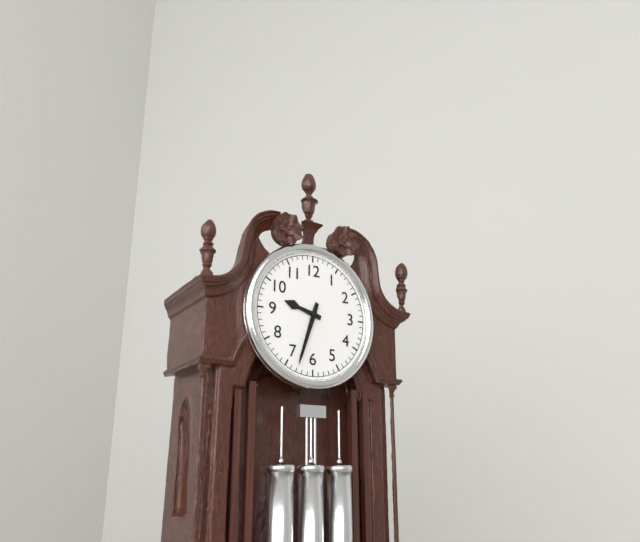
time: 9:33
